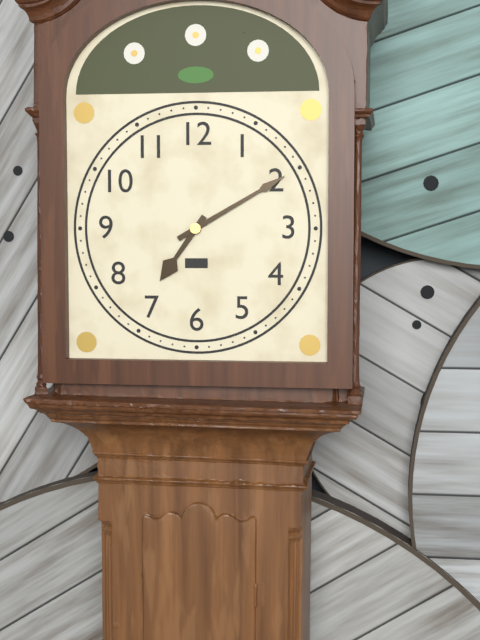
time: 7:10
